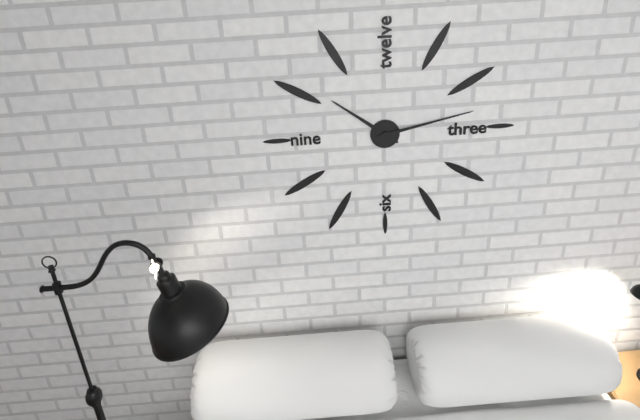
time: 10:13
